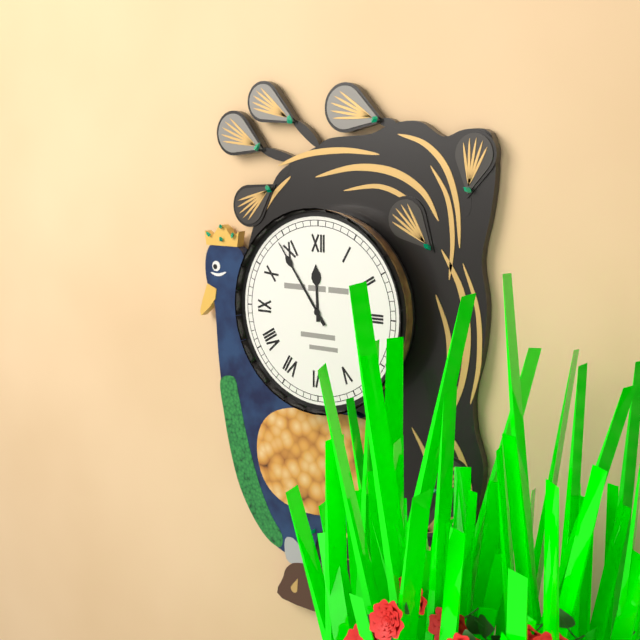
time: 11:54
